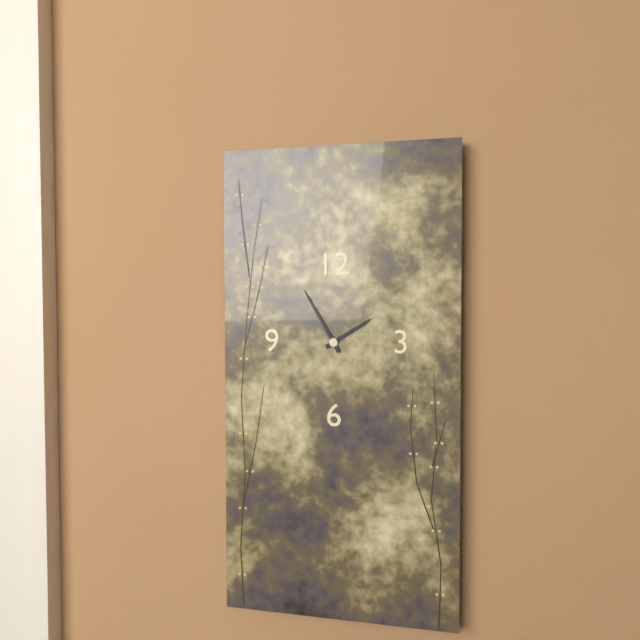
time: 1:55
